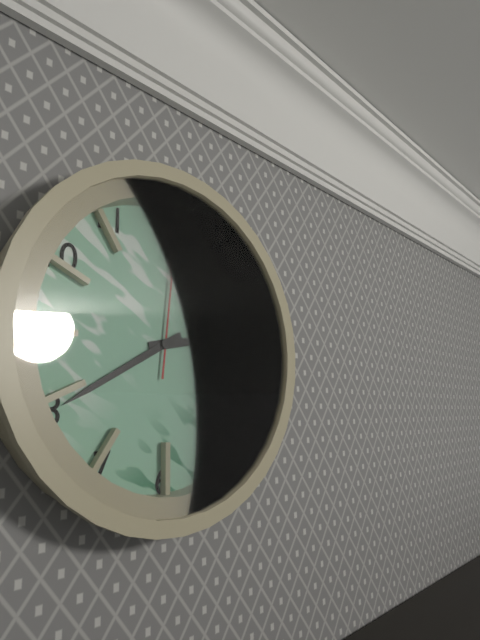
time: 2:40:01
